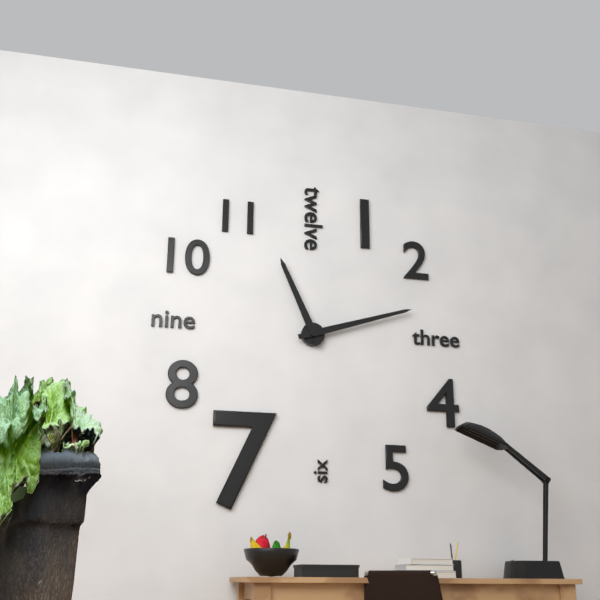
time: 11:12
